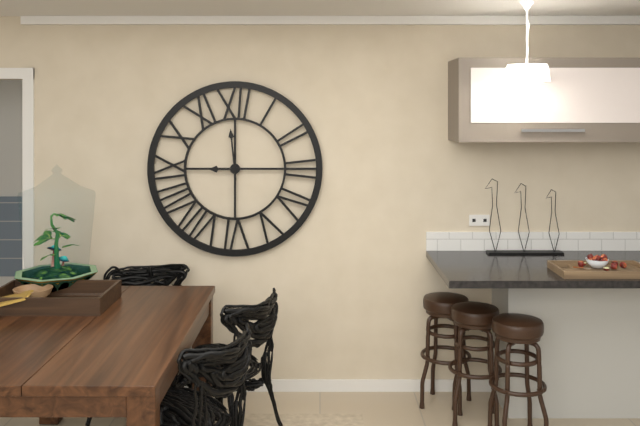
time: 8:59
